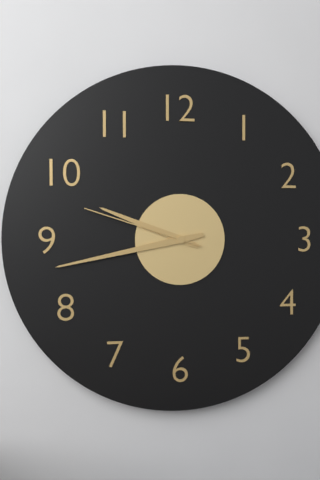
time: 9:43:48
